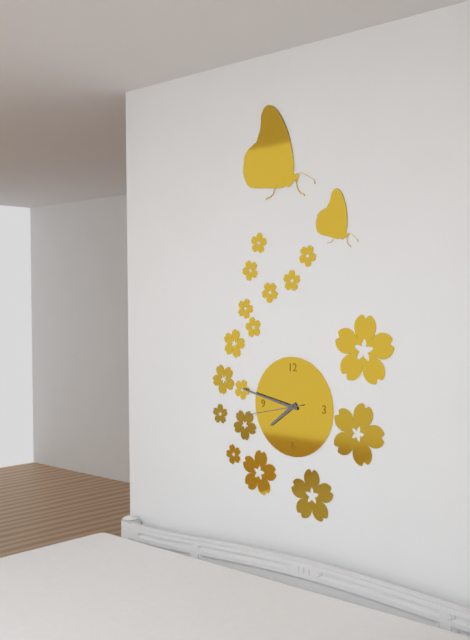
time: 7:47:43
